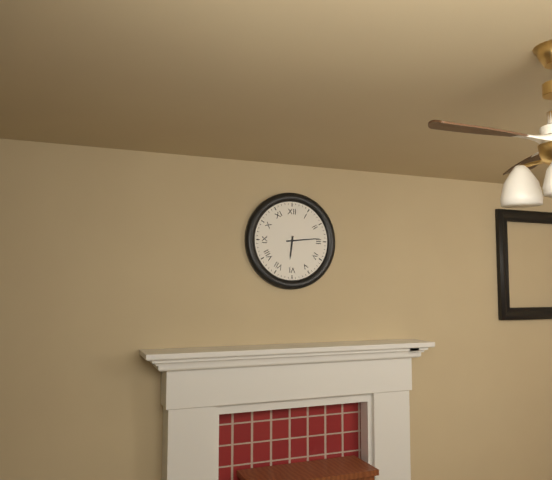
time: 6:14
